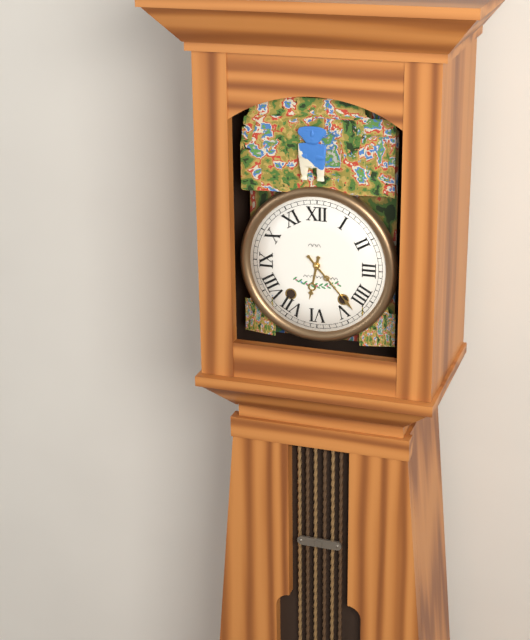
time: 6:23
